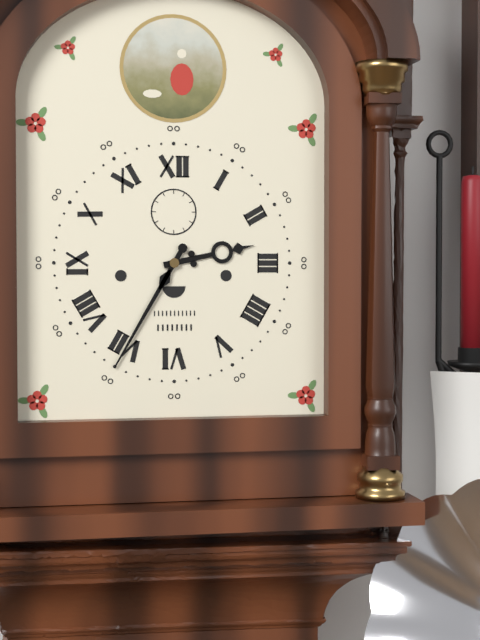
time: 2:35
